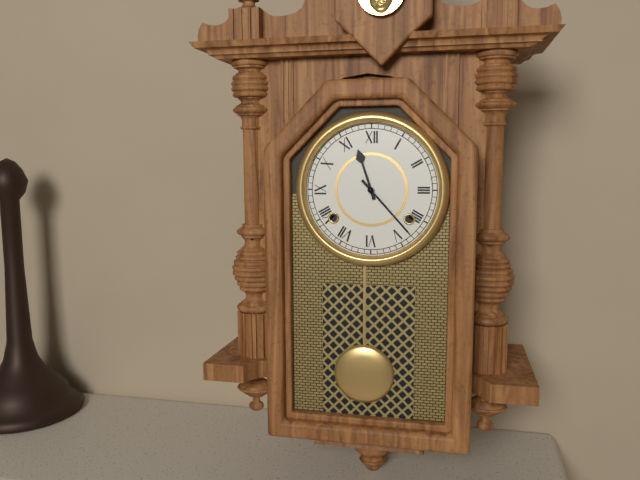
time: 11:23
